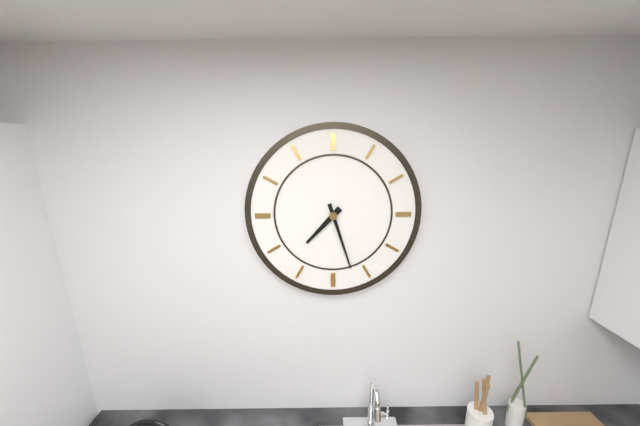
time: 7:27
